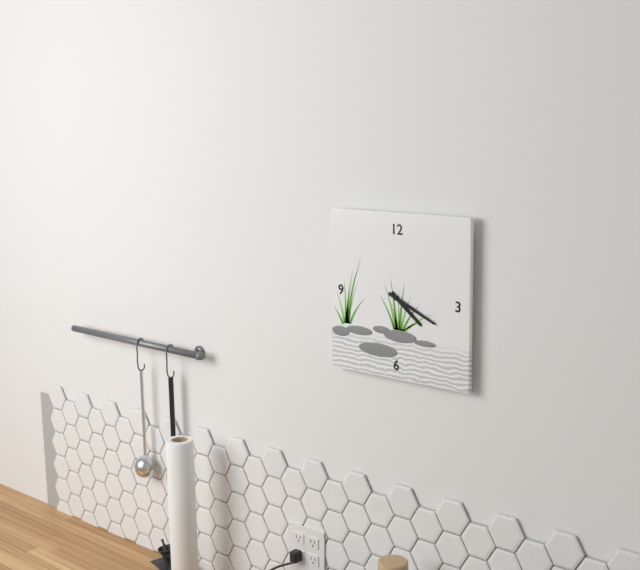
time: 4:19
